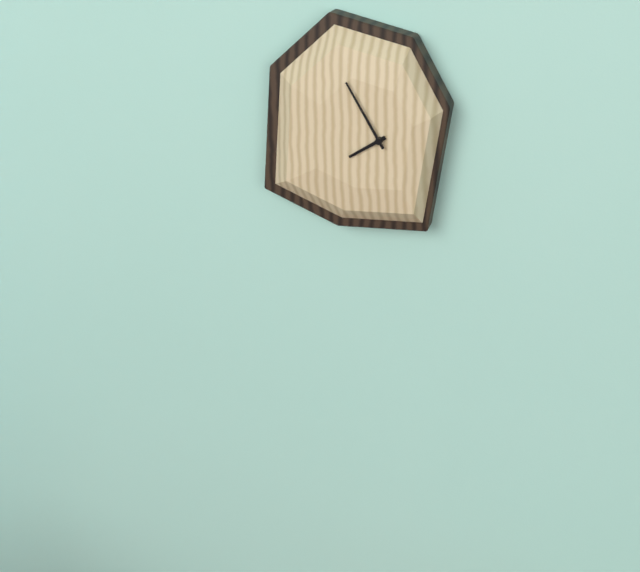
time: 7:55
